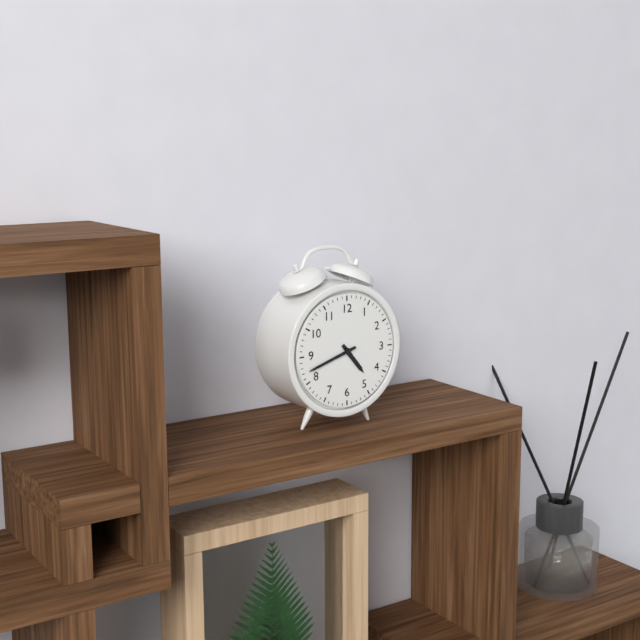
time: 4:42
